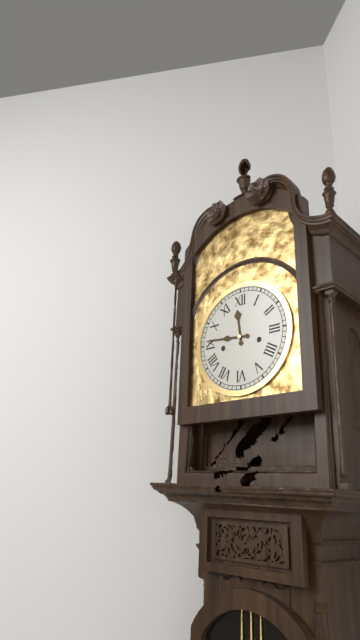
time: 11:46
